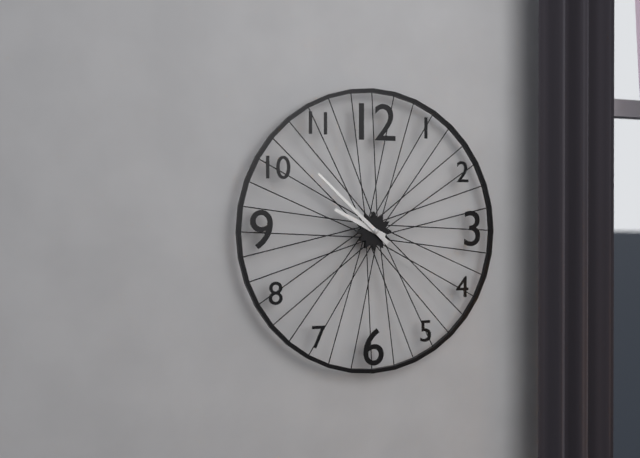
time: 9:52
